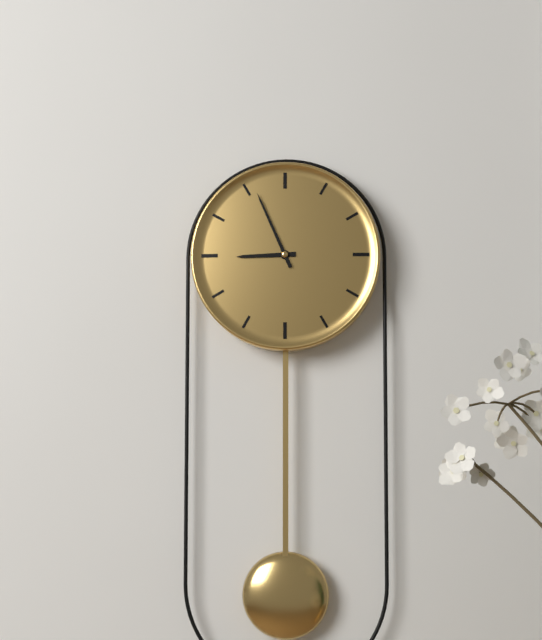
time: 8:56
